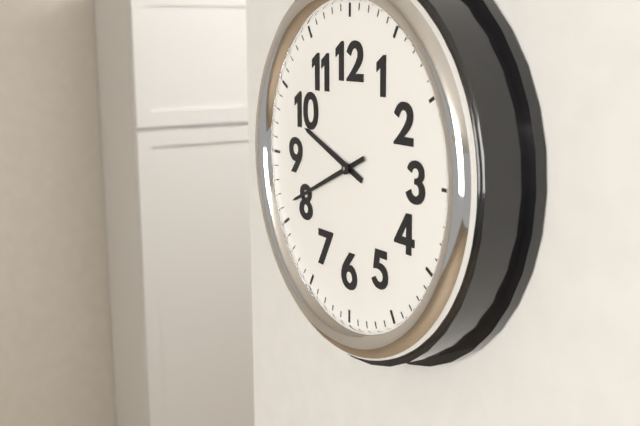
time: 9:41
